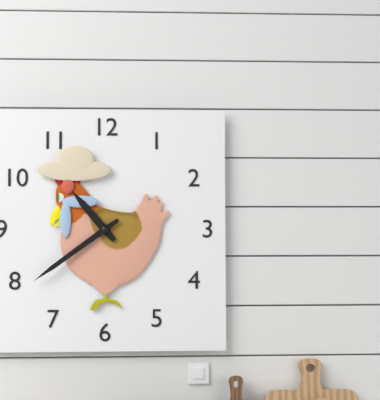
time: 10:39
